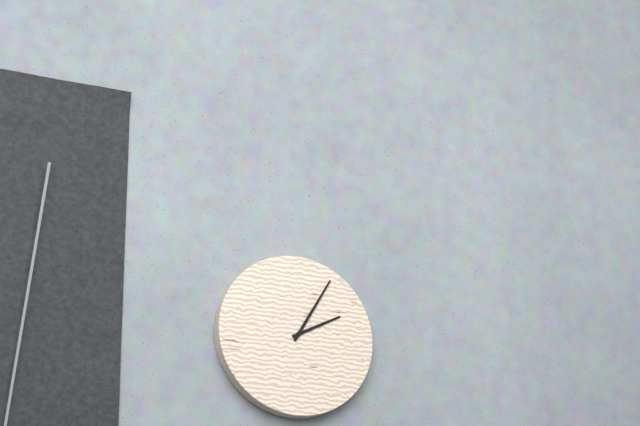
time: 2:05
